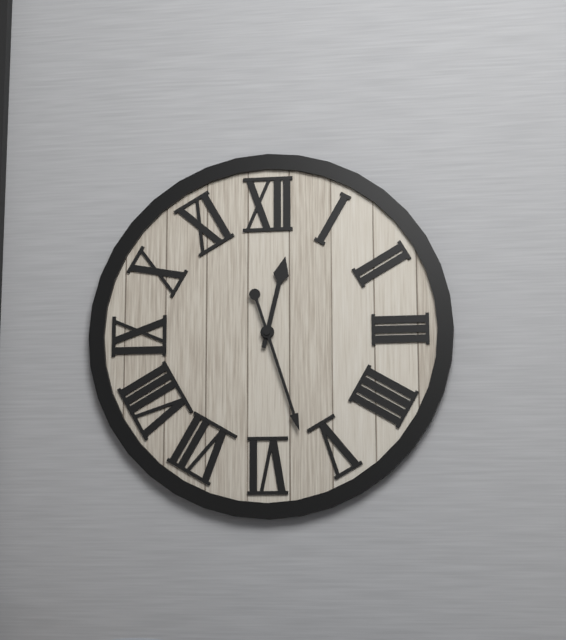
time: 12:27
